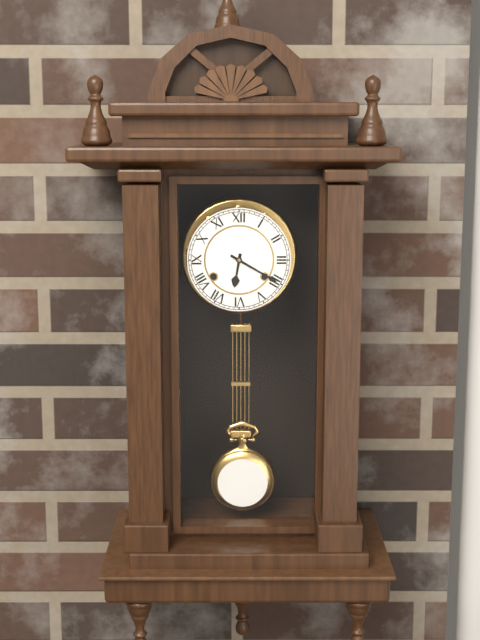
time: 6:20
